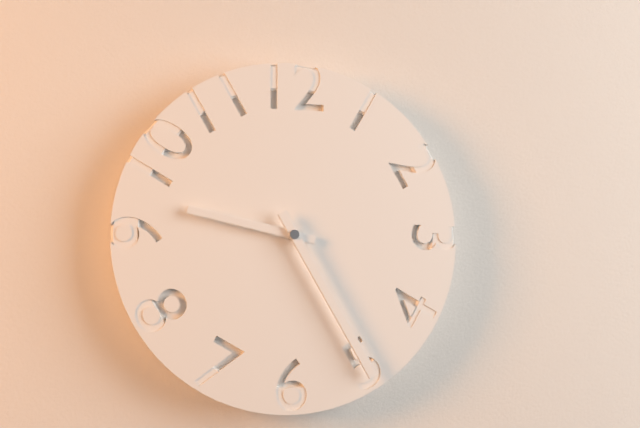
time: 9:25
